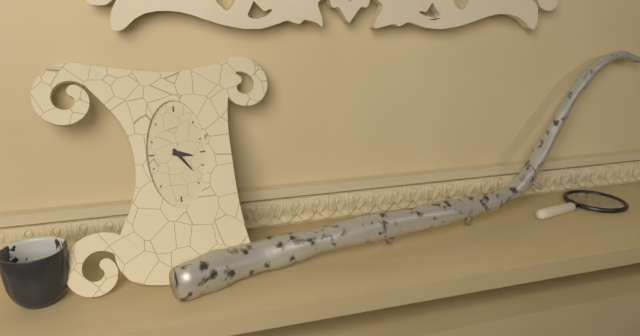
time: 3:24
